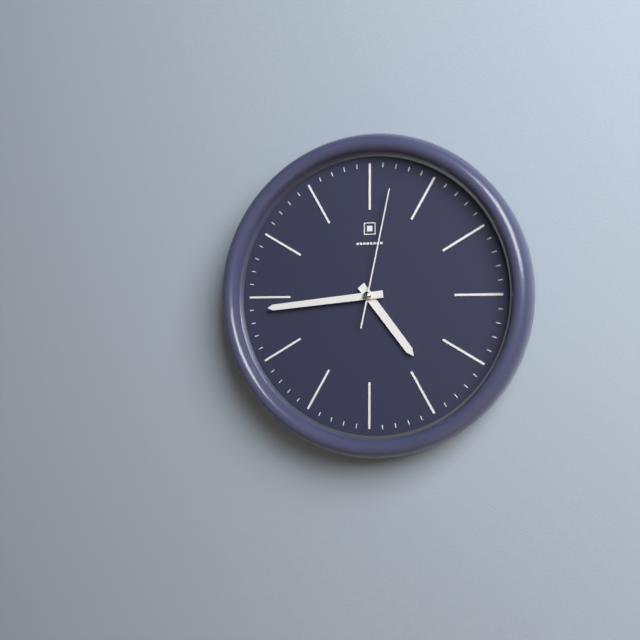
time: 4:44:02
